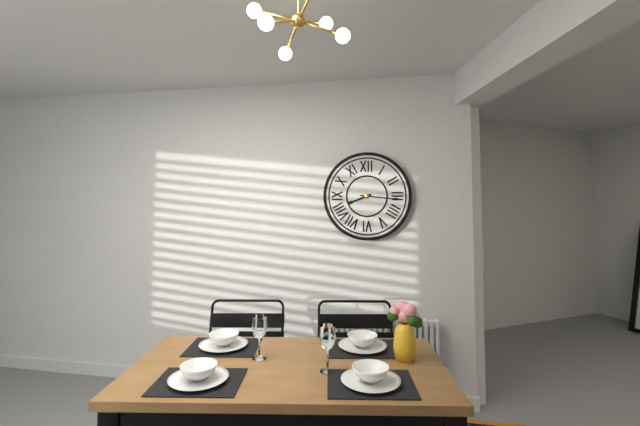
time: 8:16
